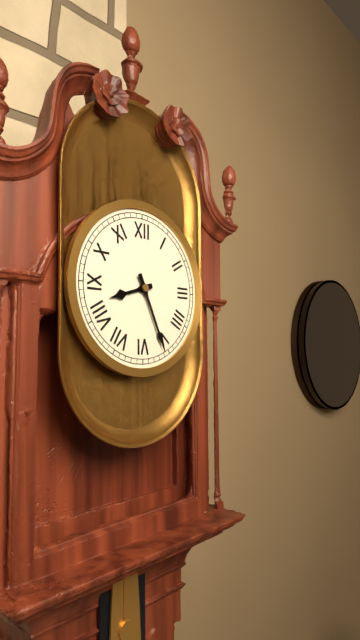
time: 8:26
